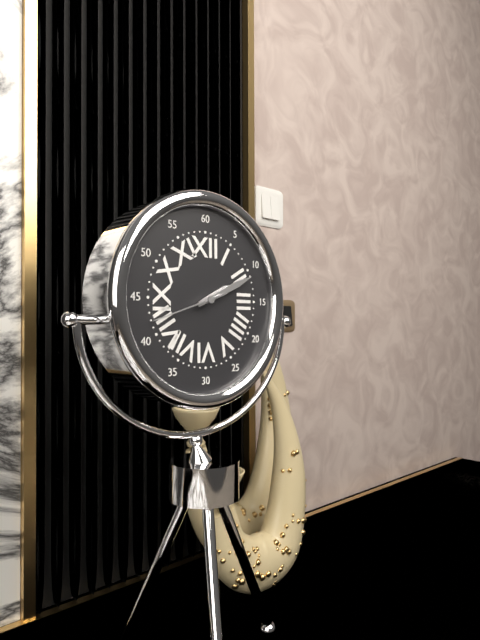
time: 2:11:42
